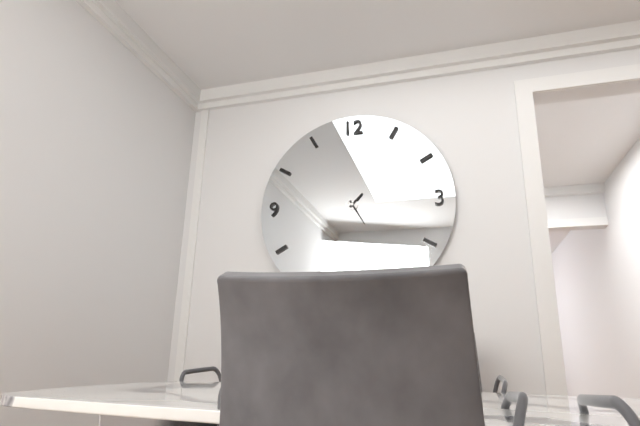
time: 1:25
